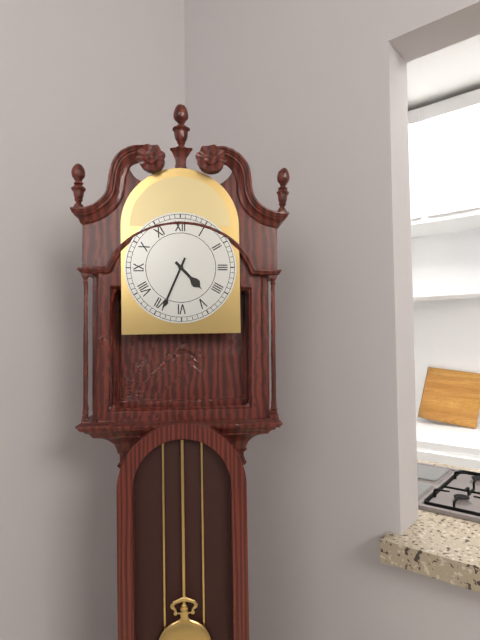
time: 4:34
